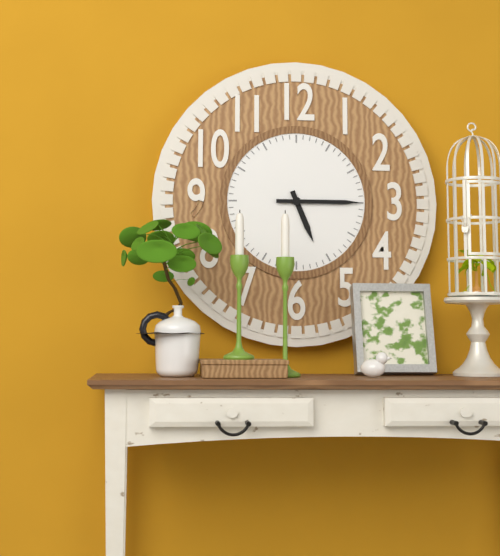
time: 5:15
